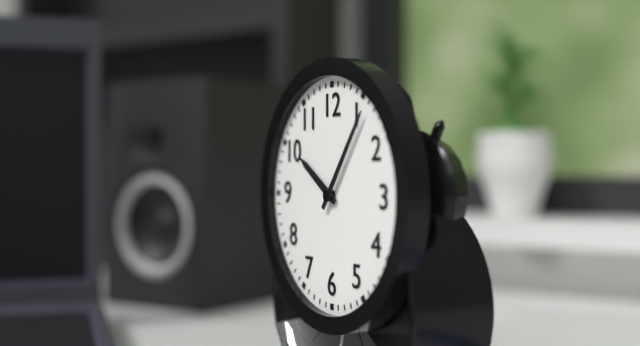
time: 10:06
